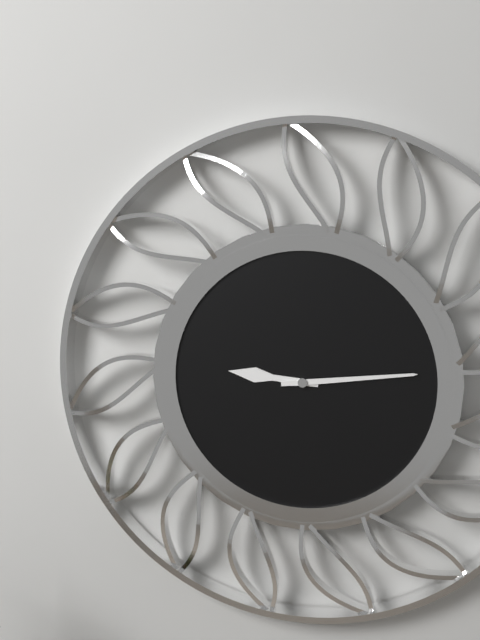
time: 9:14
